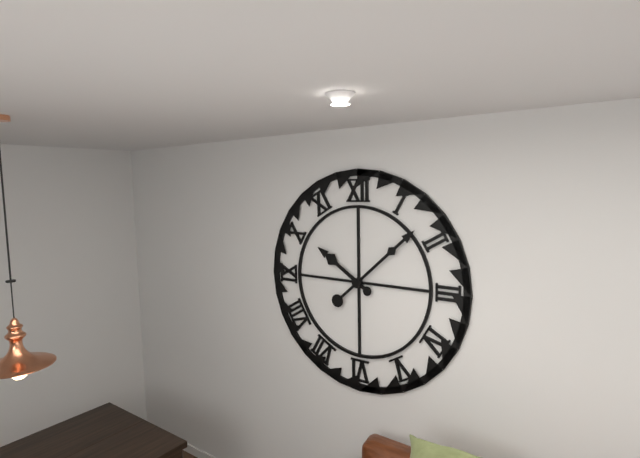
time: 10:08
